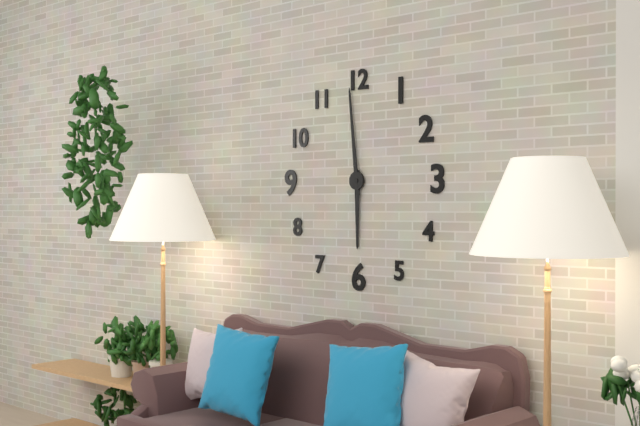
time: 5:59
